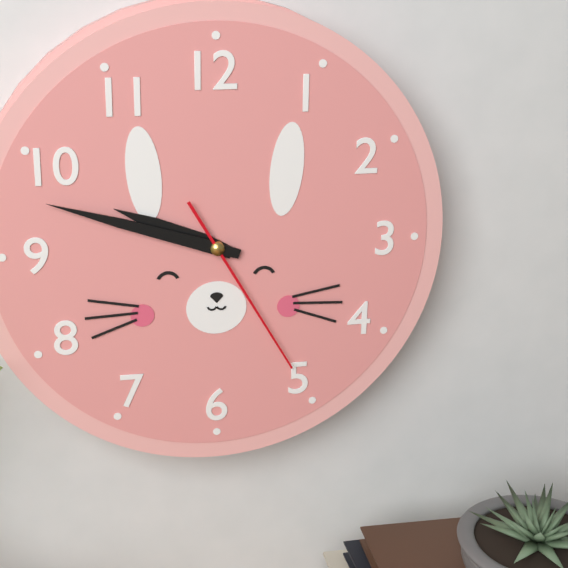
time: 9:48:25
